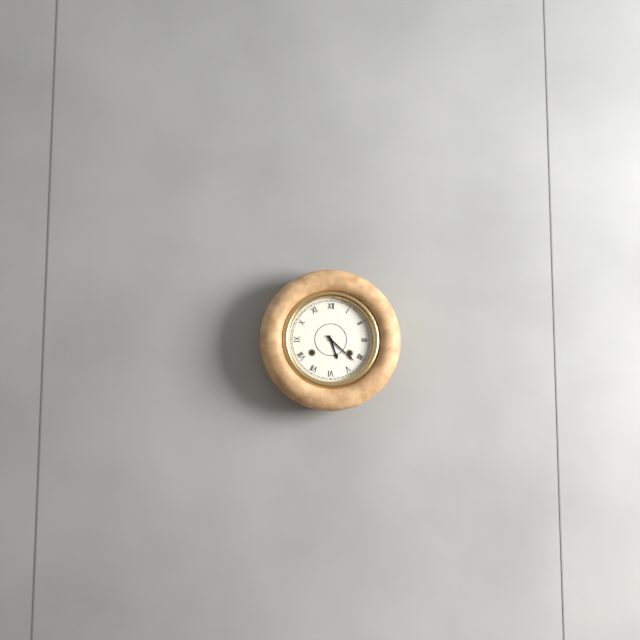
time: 5:22
